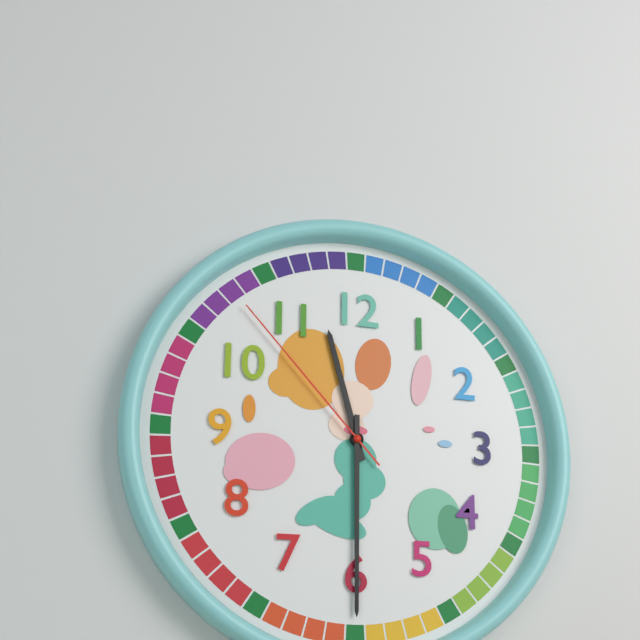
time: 11:30:53
